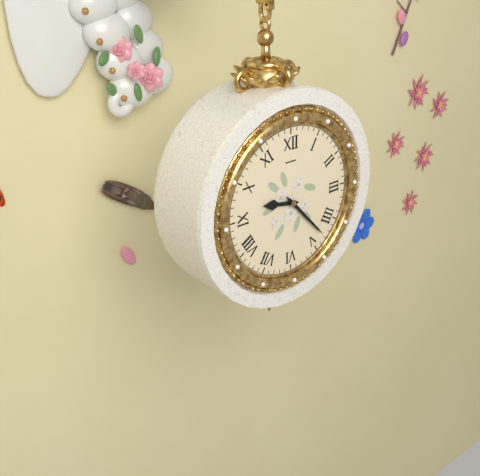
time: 9:23
